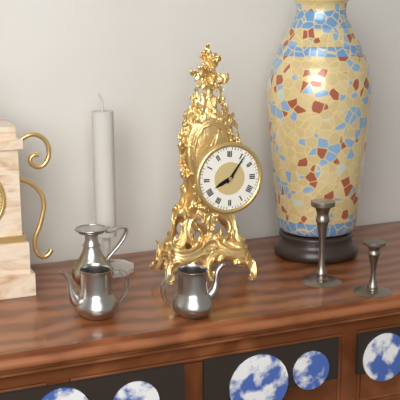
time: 8:06
